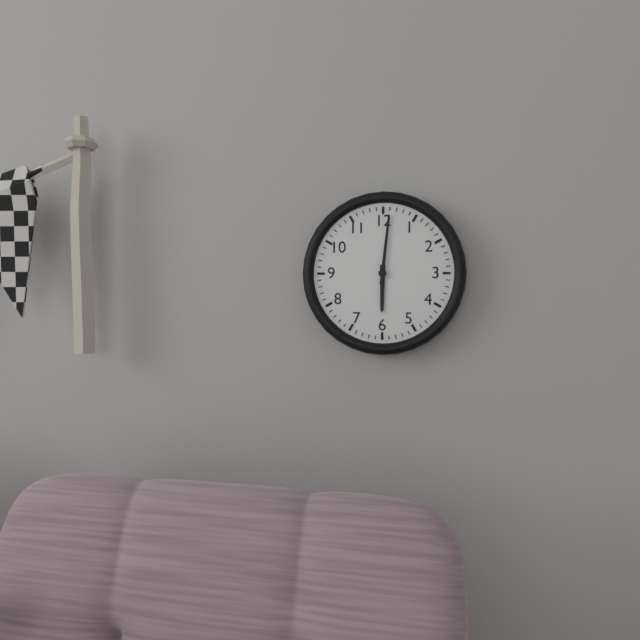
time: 6:01
